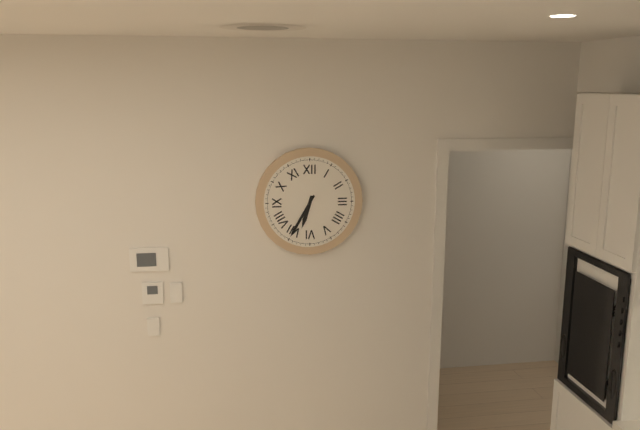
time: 6:35
